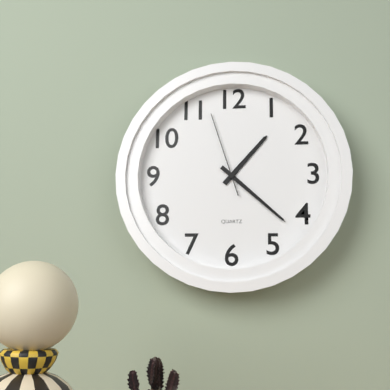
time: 1:22:57
